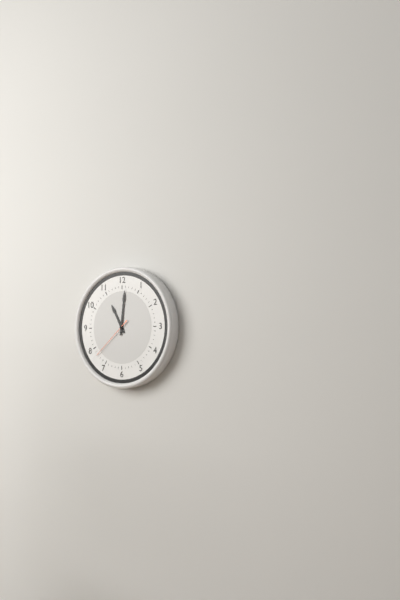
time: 11:01
